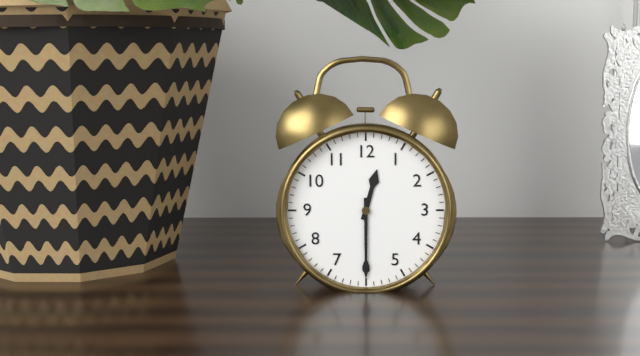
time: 12:30
